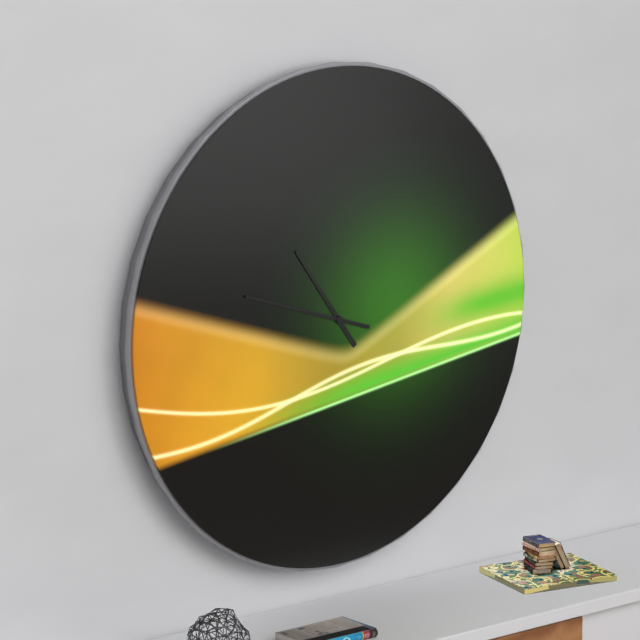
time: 10:48
